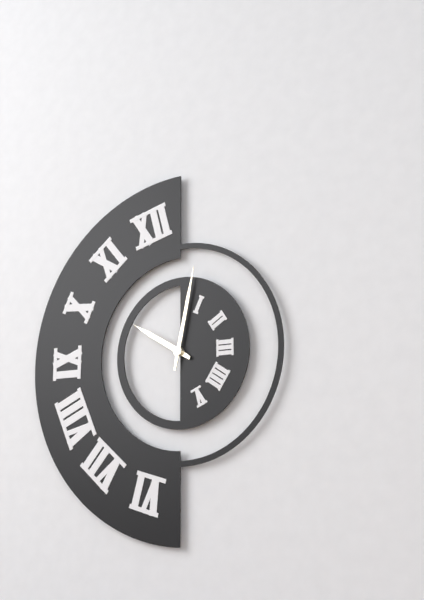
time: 10:02
